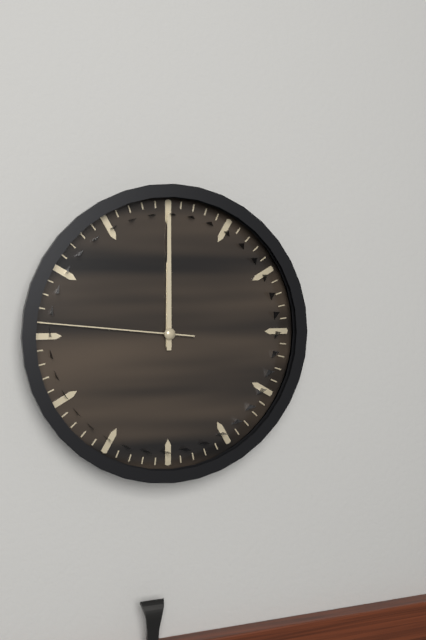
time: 12:00:46
